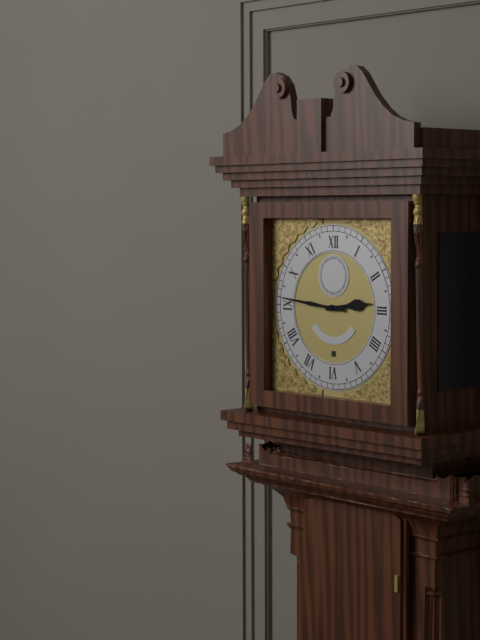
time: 2:46
